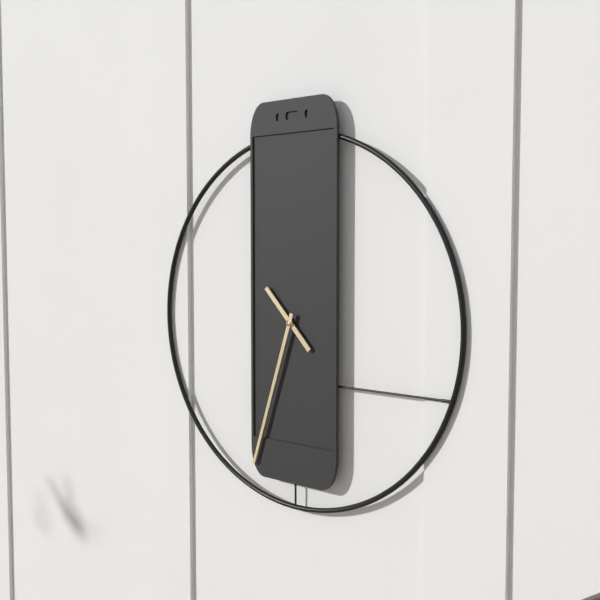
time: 10:33
